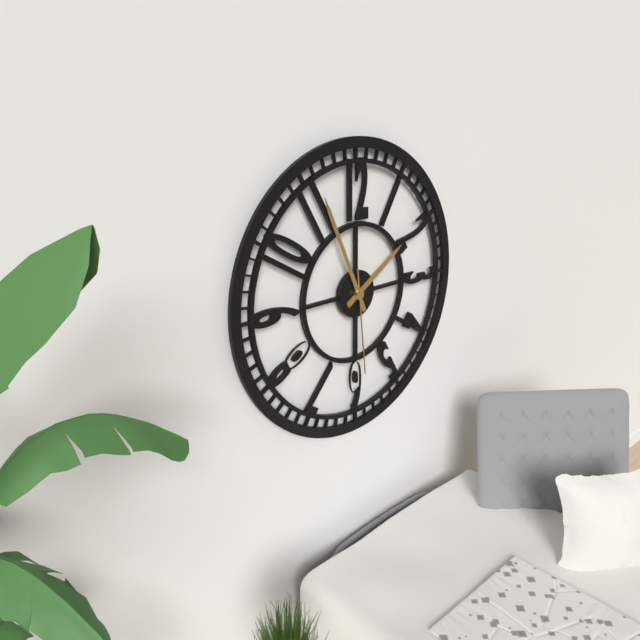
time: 1:56:29
